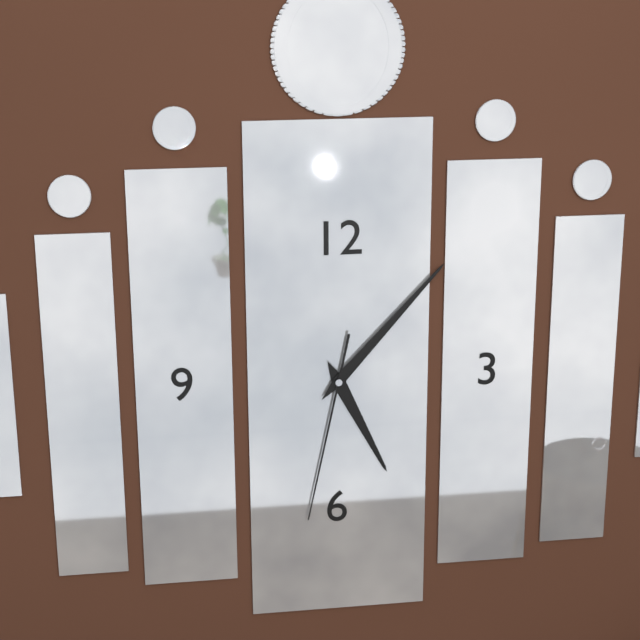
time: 5:07:32
